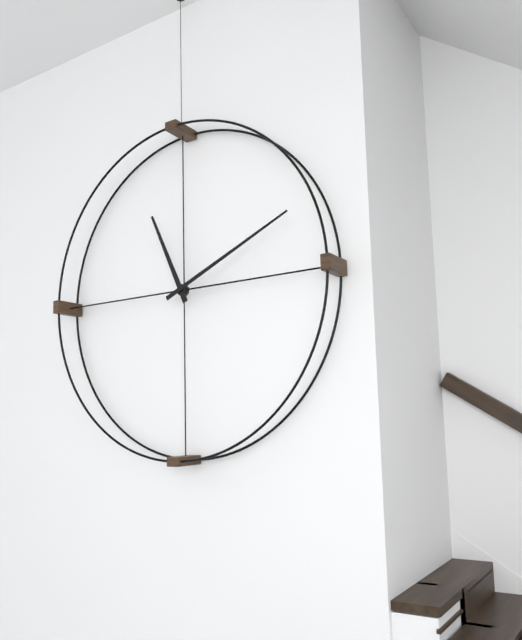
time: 11:11
